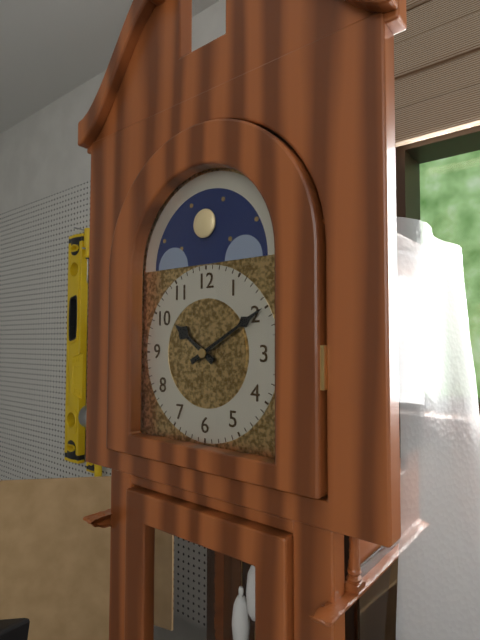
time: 10:10
